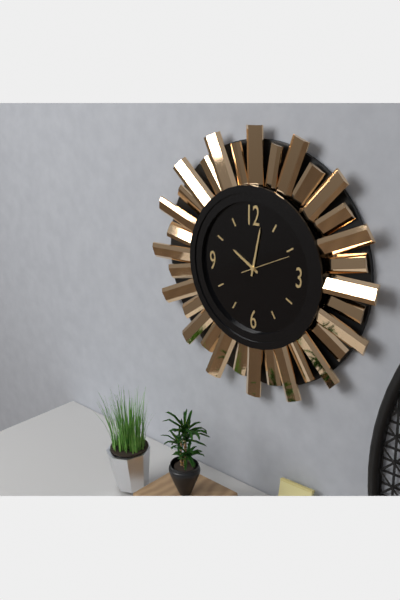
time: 10:02
